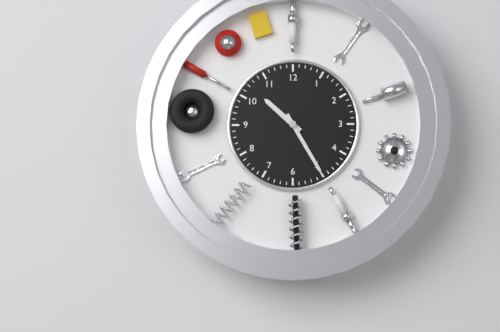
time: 10:25
